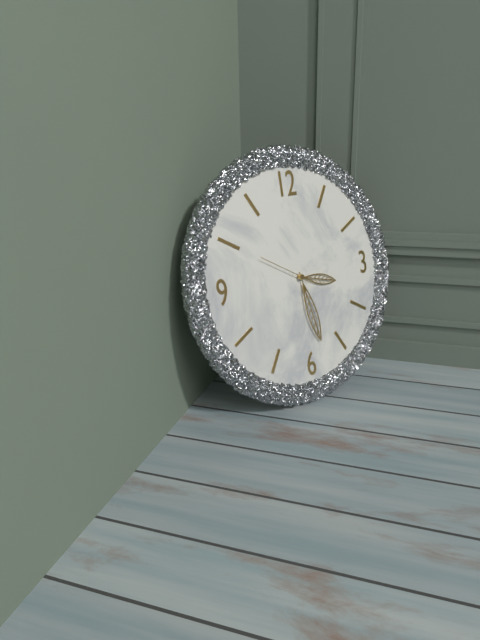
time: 3:28
